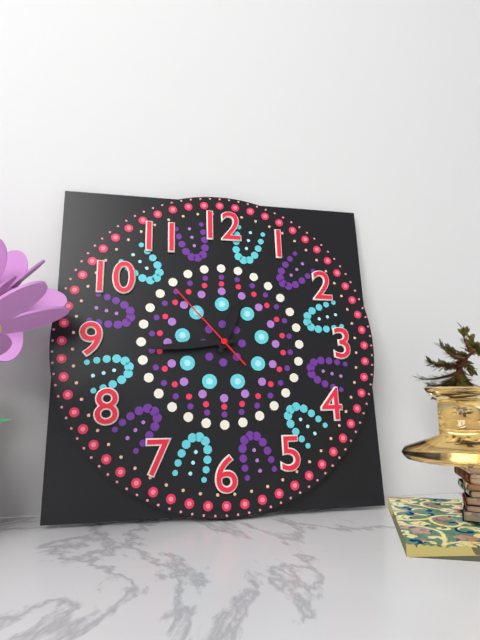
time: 12:44:53
